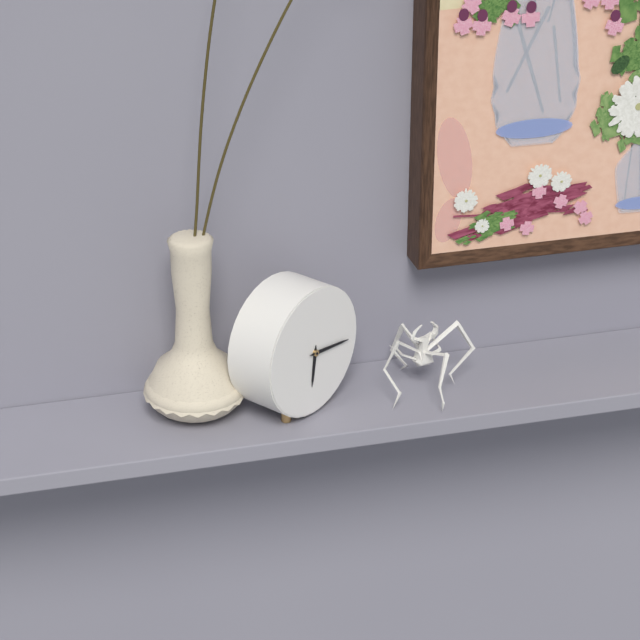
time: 6:16
